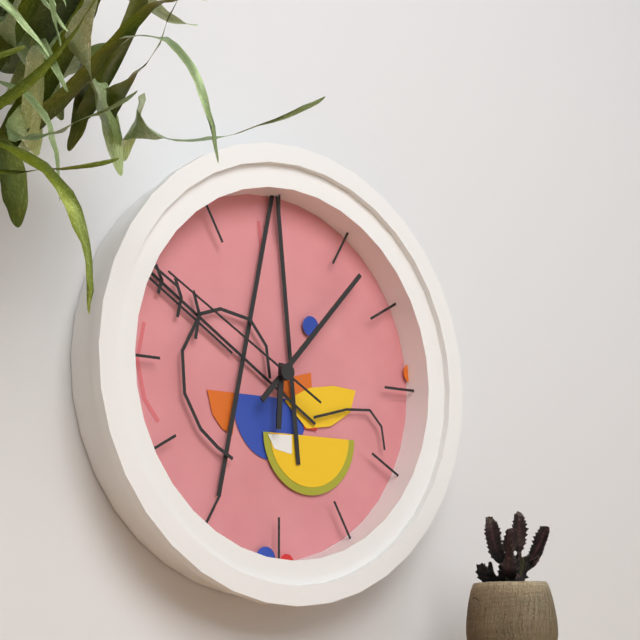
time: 6:07:50
